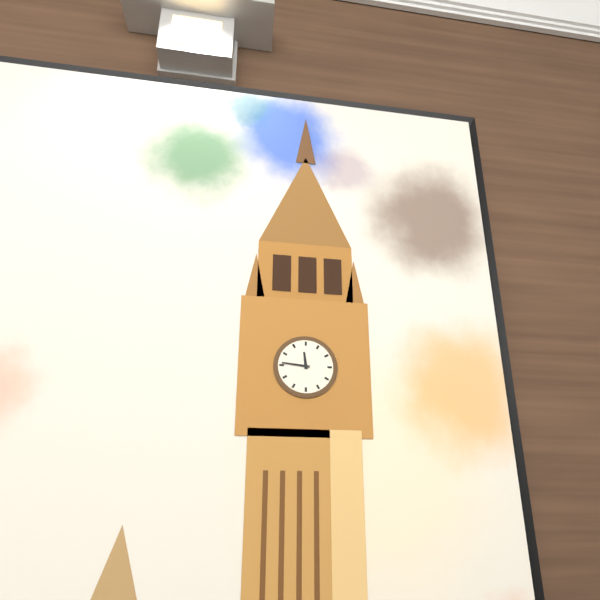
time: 11:46
